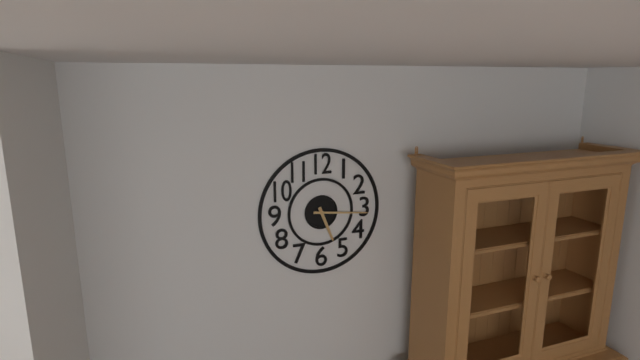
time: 5:16
